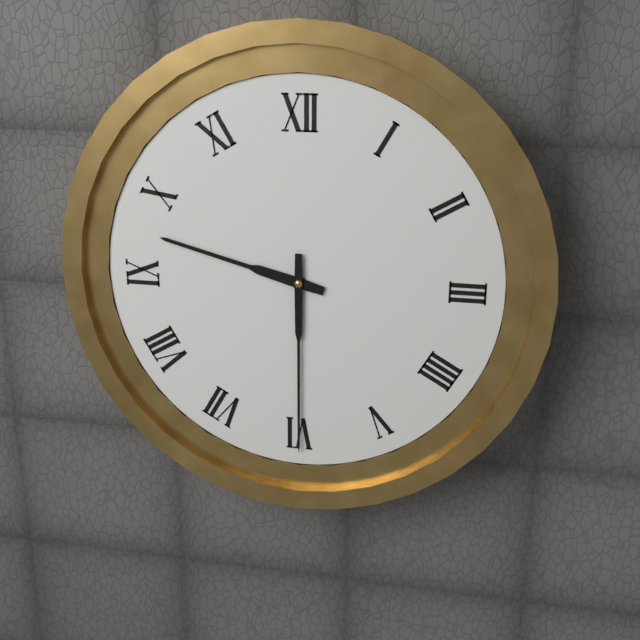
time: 9:30
